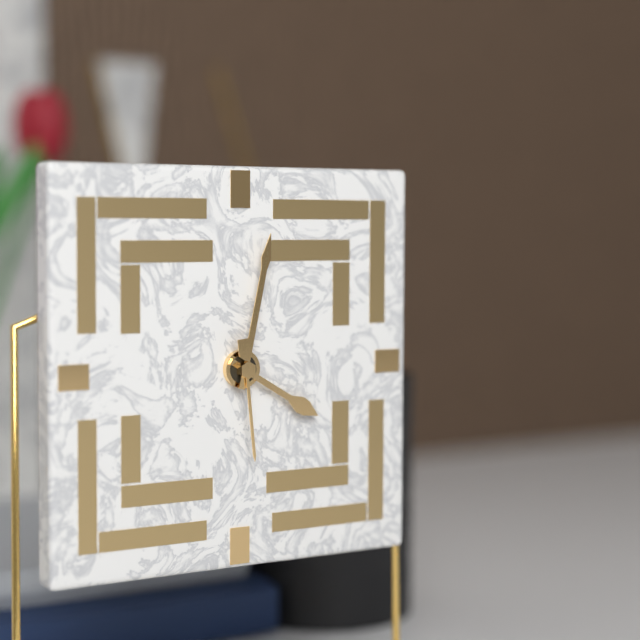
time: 4:02:29
